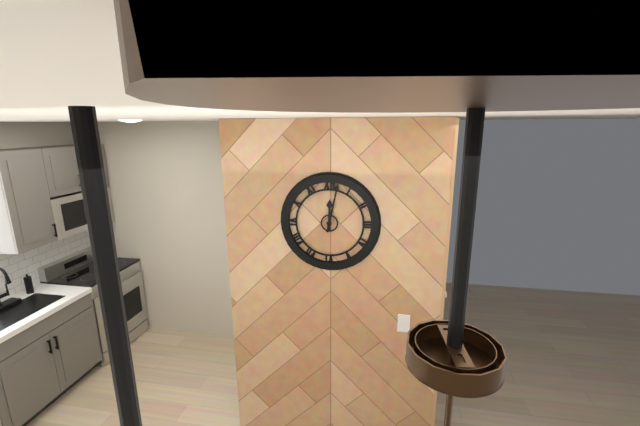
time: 12:02
